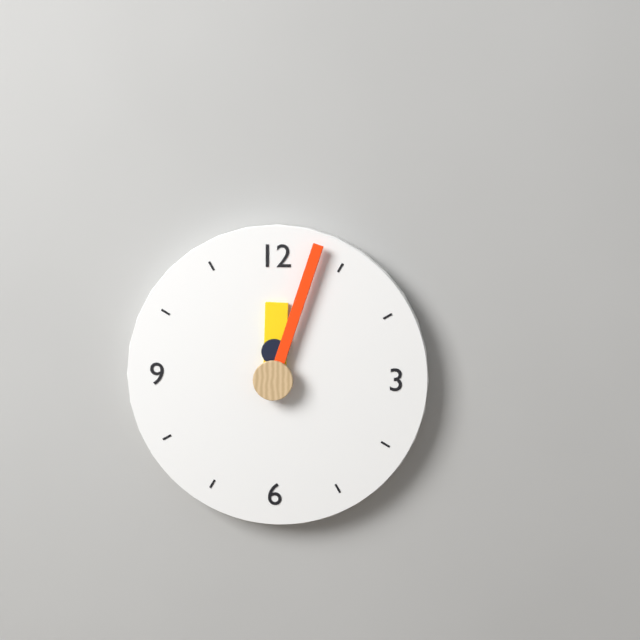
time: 12:03
